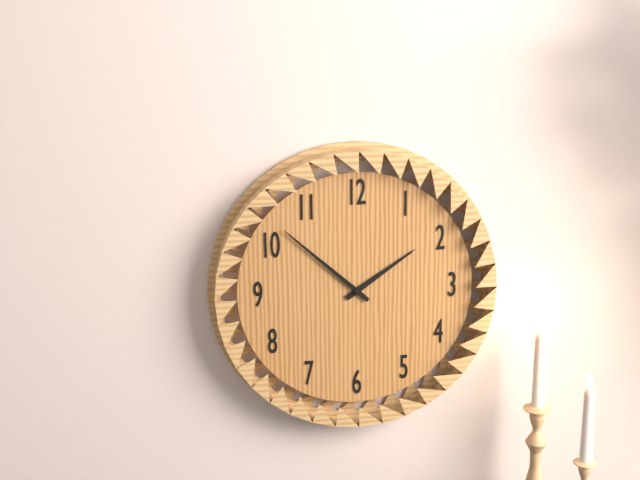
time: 1:52
